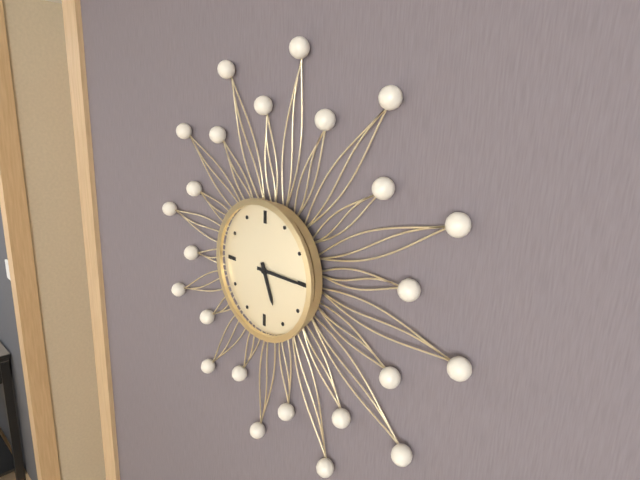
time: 5:15
